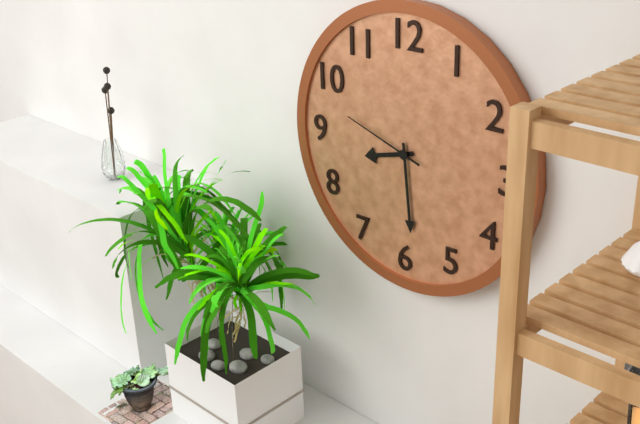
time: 8:29:48
